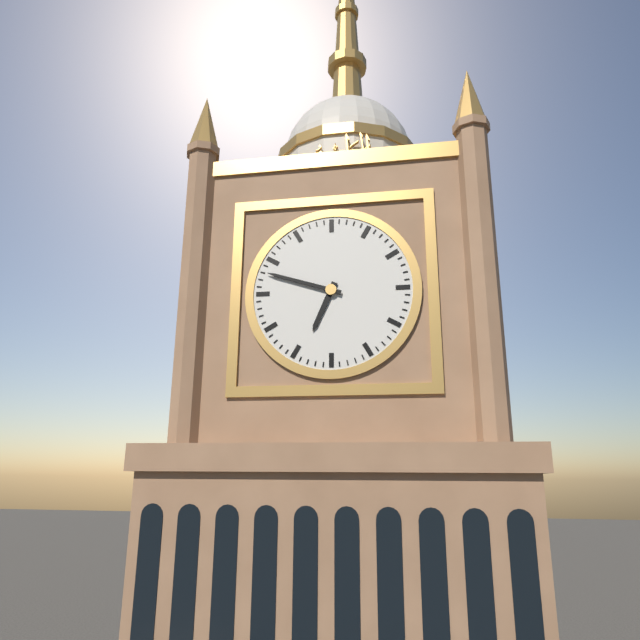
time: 6:48
